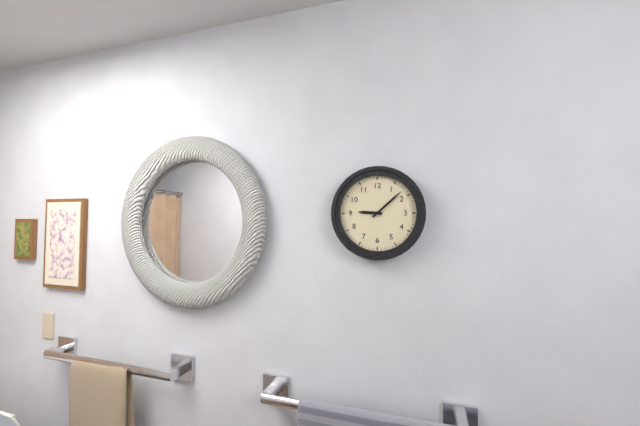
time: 9:08
